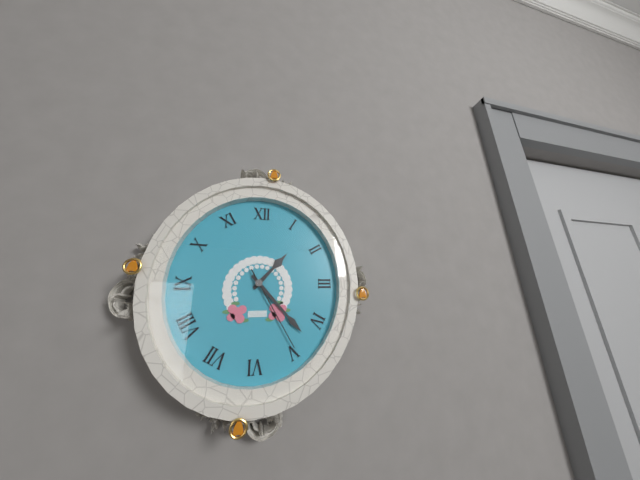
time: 1:23:25
